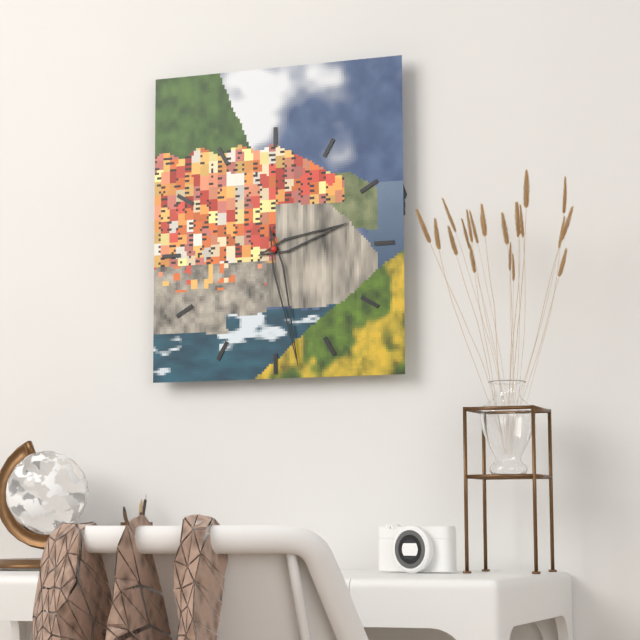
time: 2:28
